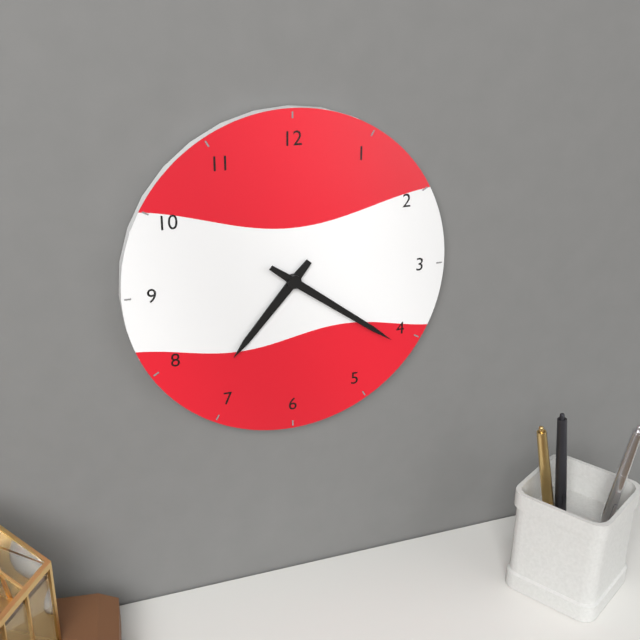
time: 7:21
